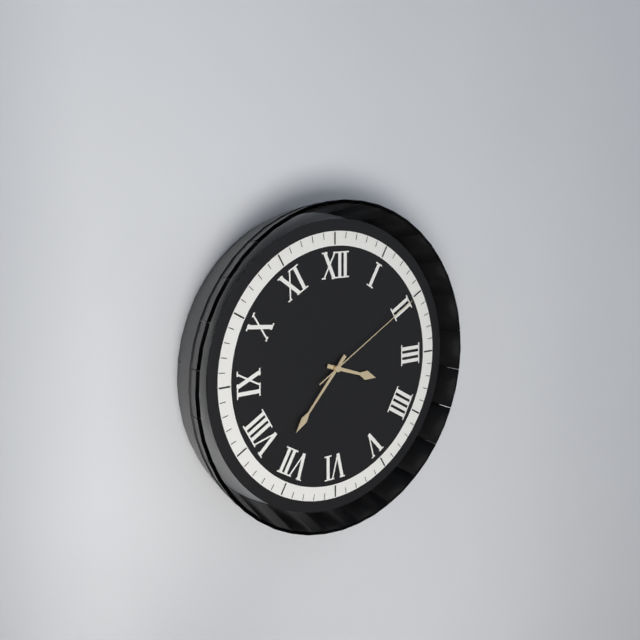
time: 3:37:10
